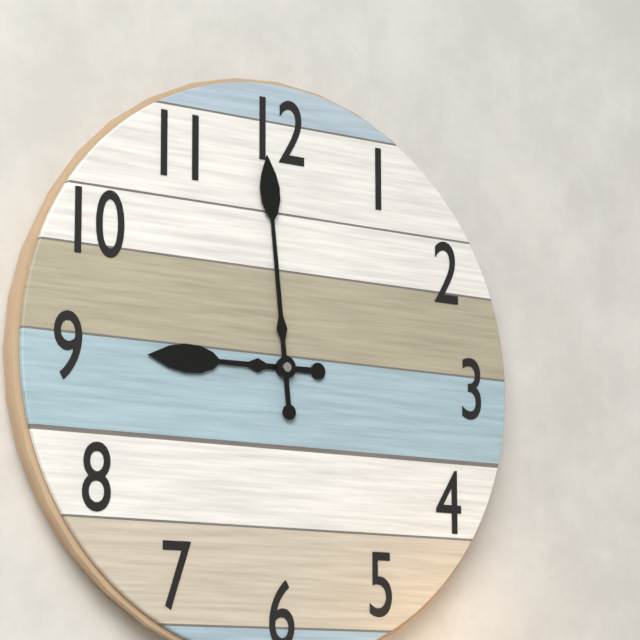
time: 8:59
